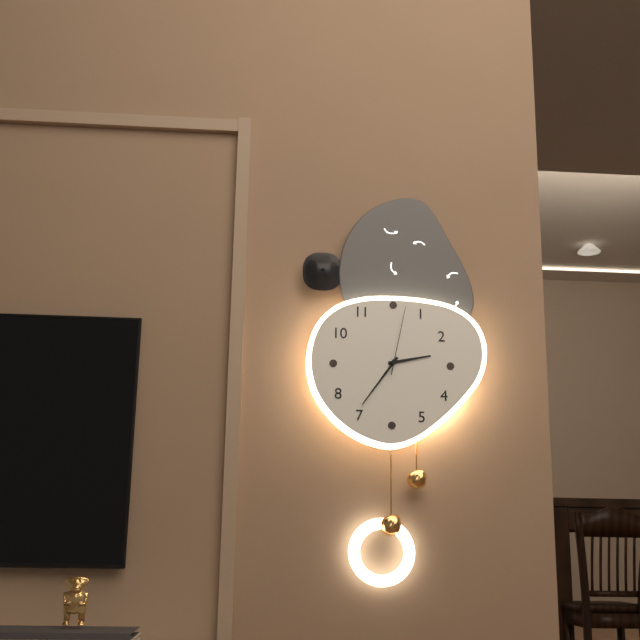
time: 2:36:02
